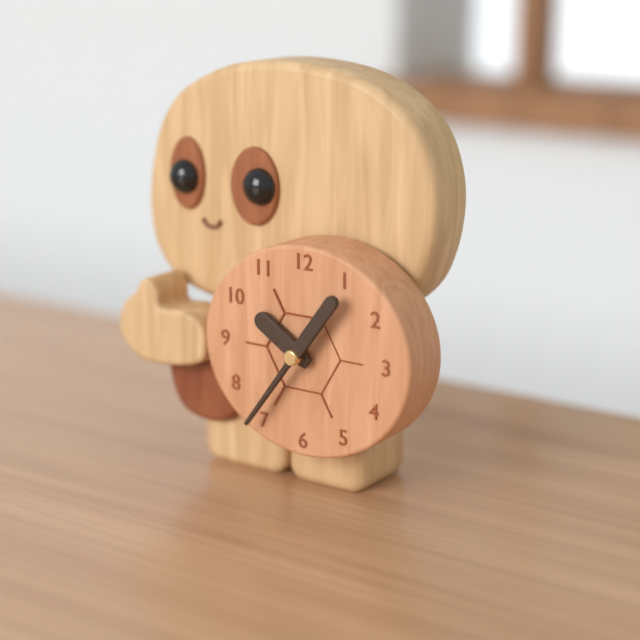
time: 10:06
